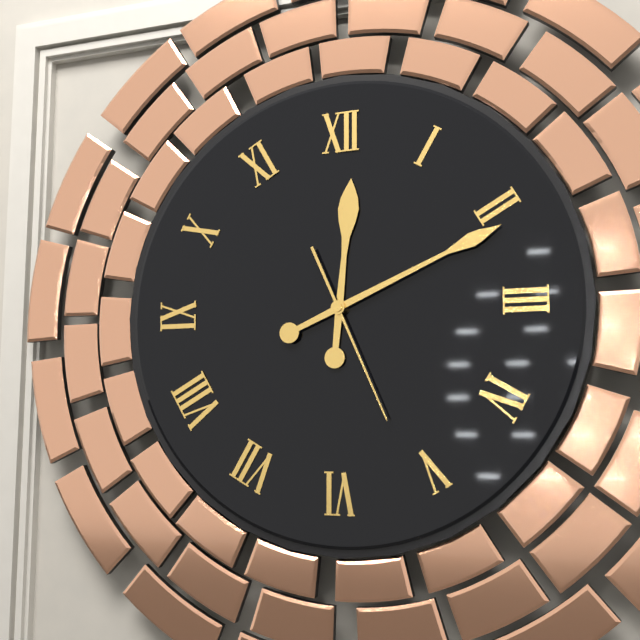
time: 12:11:26
